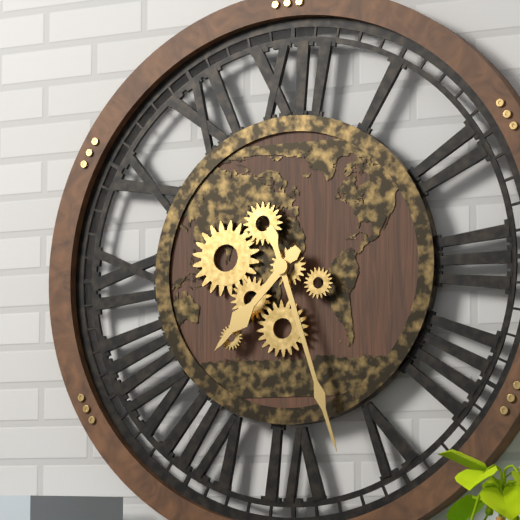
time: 7:27
